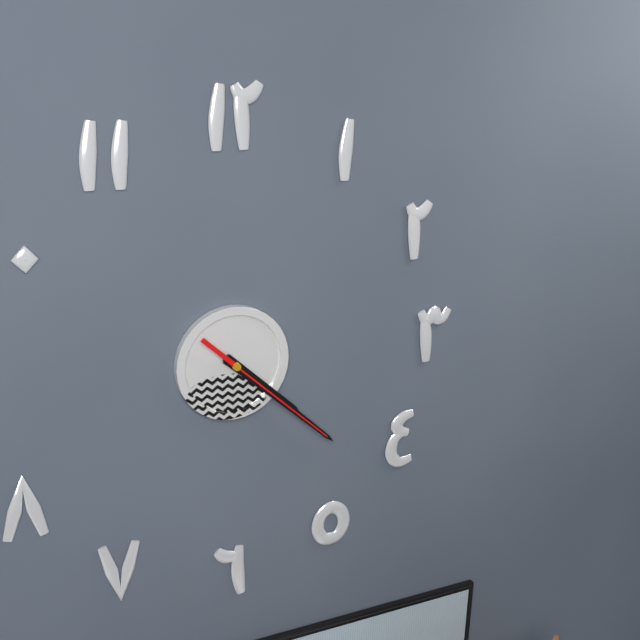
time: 4:22:22
